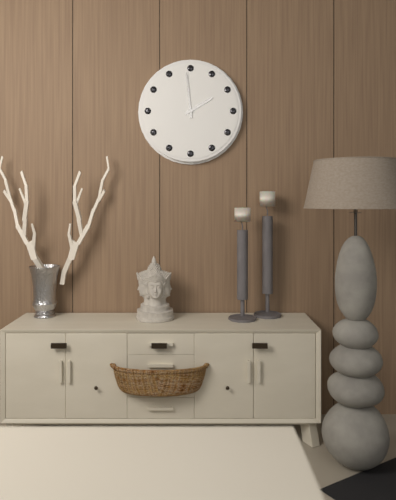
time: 1:59
